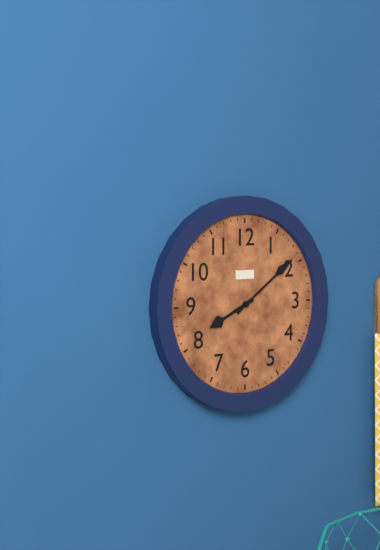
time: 8:09
